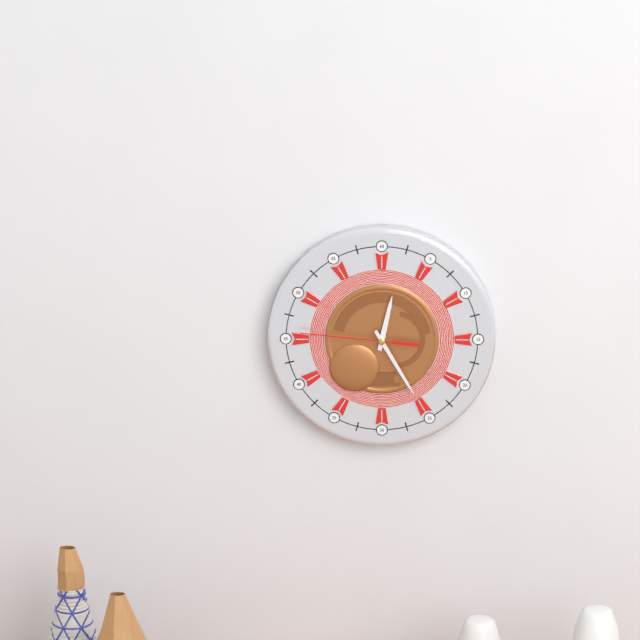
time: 12:25:46
